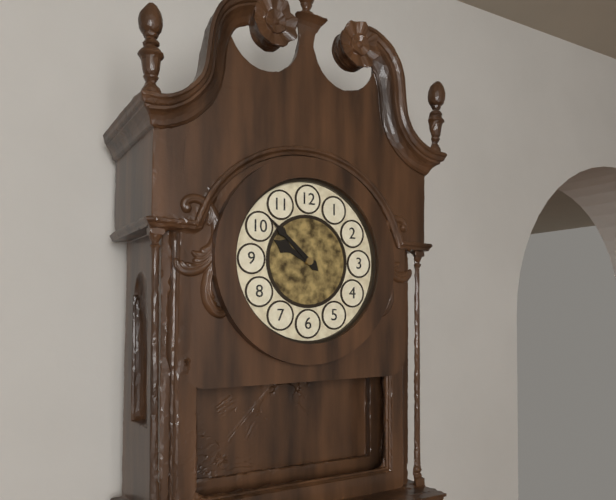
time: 9:52
